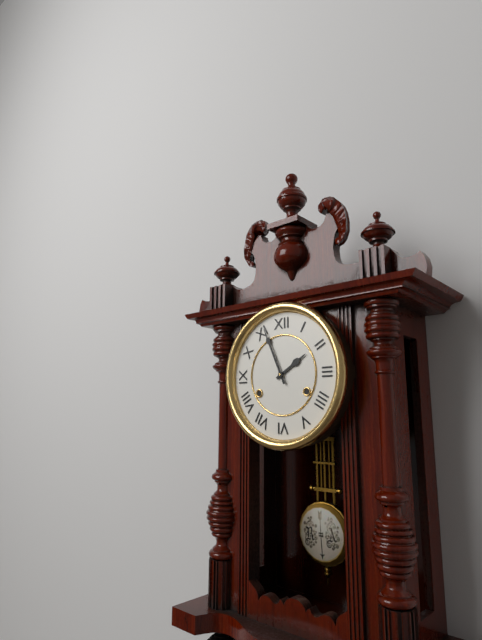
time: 1:56
